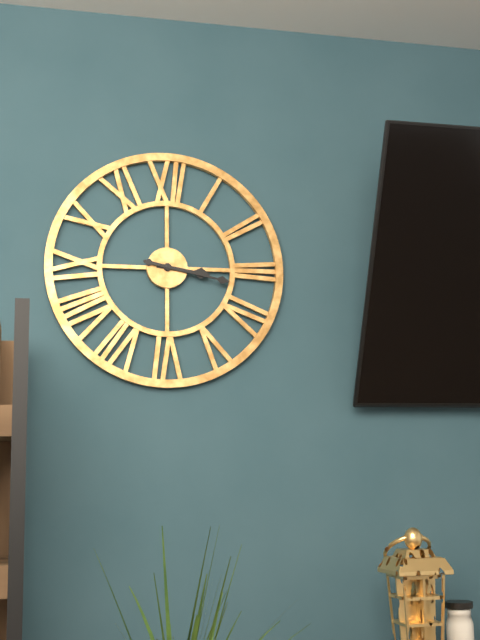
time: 3:17
